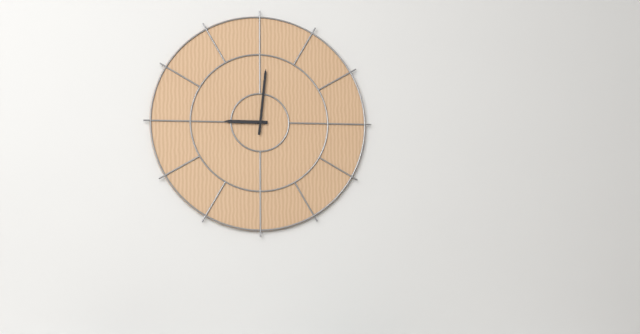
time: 9:01
